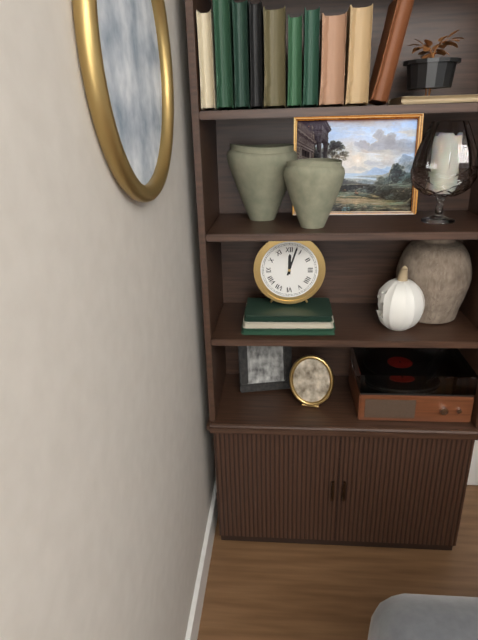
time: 12:03
